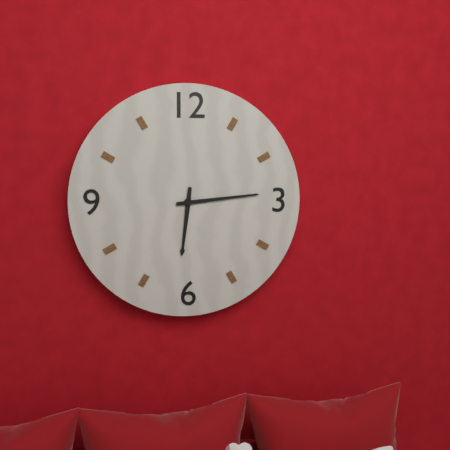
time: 6:14
